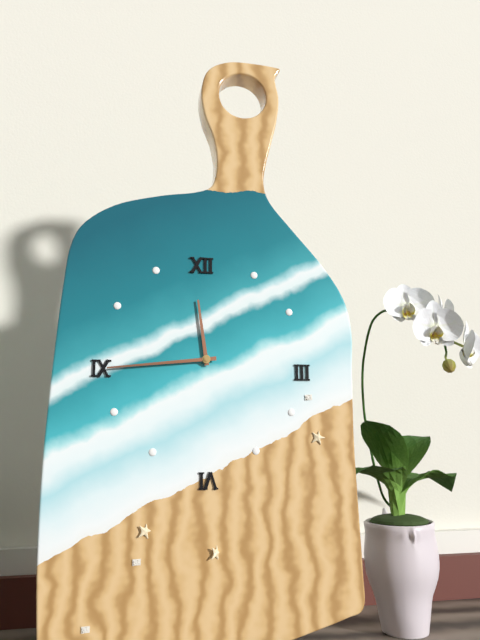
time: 11:44
